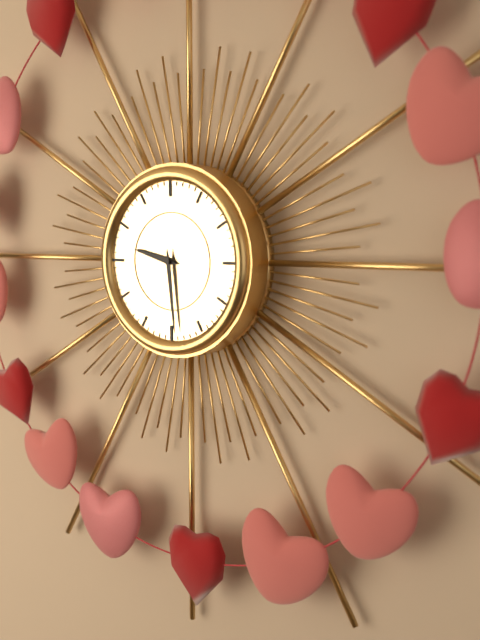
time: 9:29
